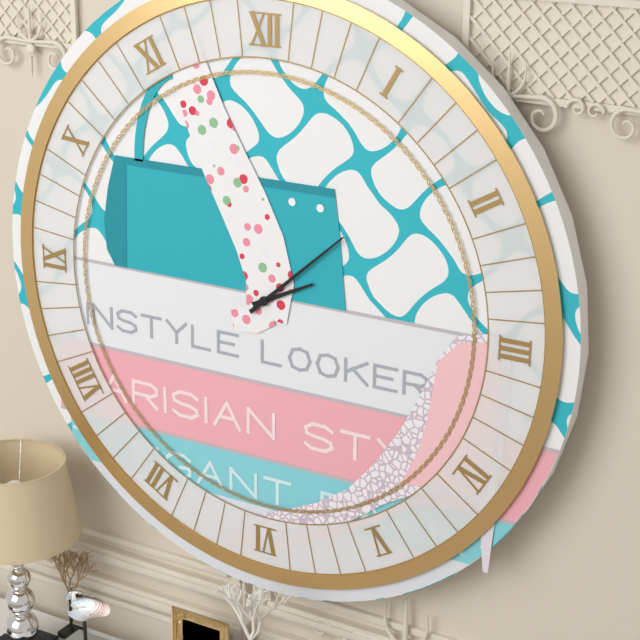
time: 2:08
